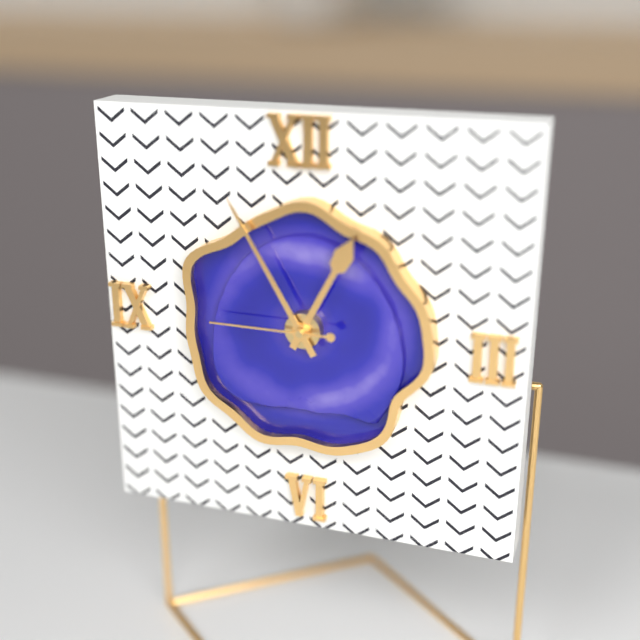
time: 12:55:45
